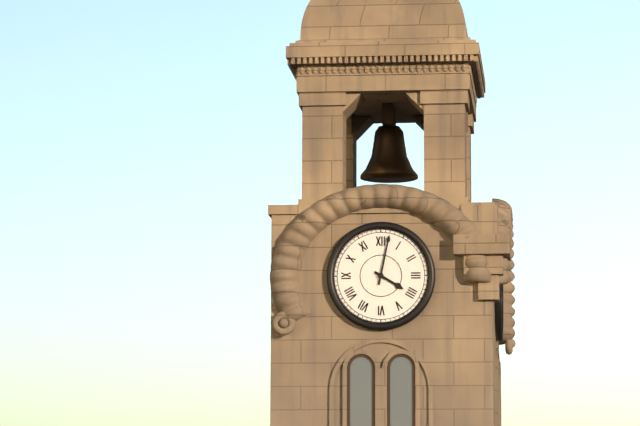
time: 4:02
